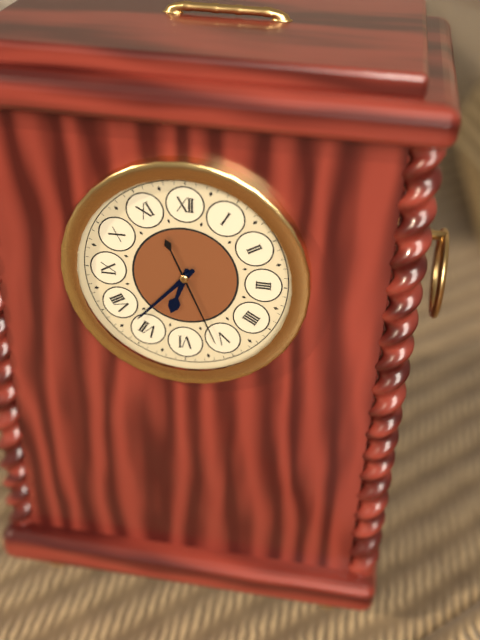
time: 6:37:26
